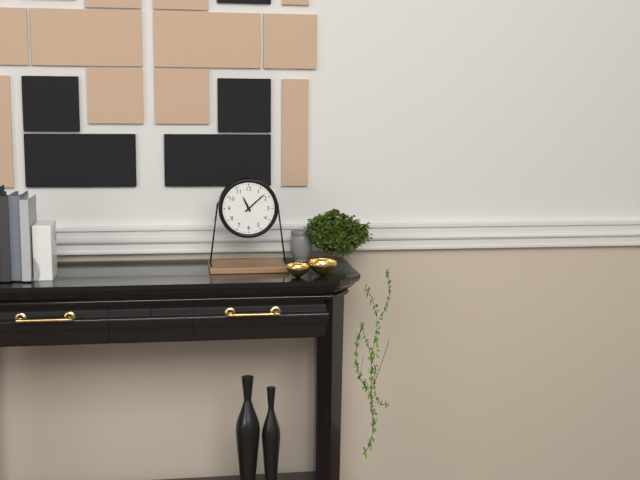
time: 11:08
